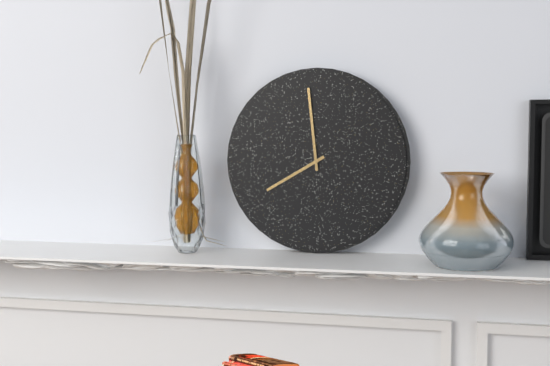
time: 7:59
